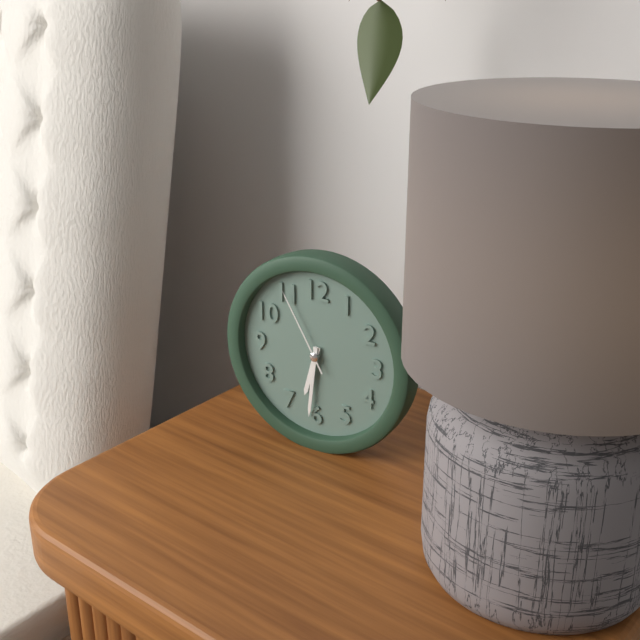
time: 6:31:55
